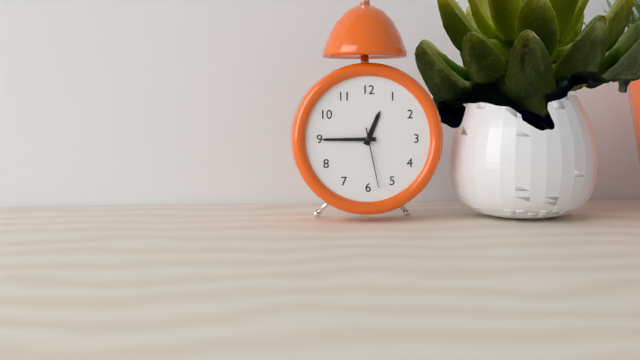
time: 12:45:28
